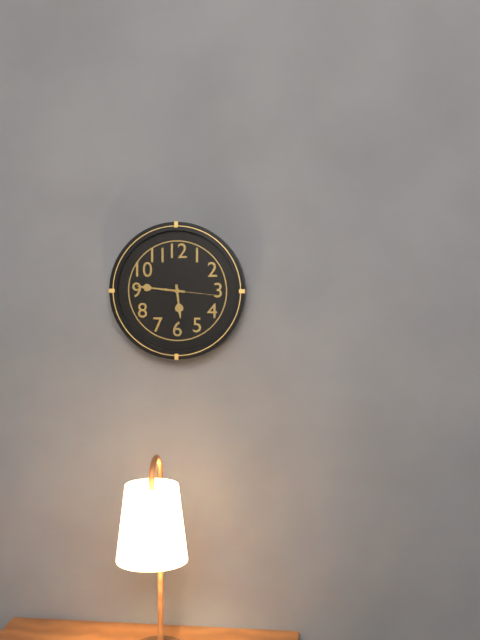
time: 5:46
